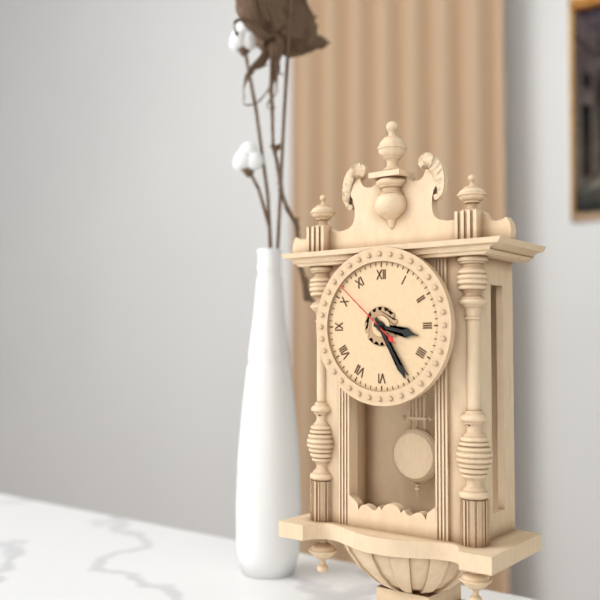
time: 3:25:52
